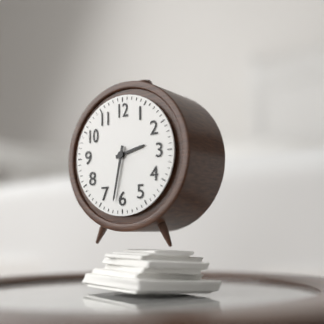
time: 2:32
